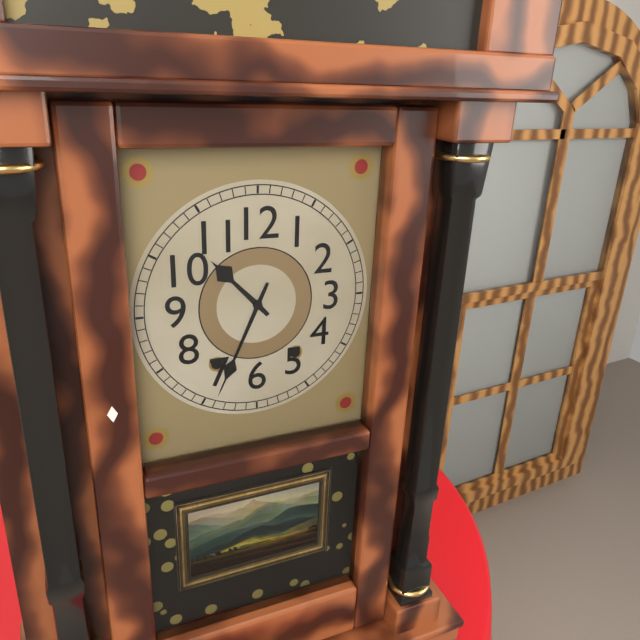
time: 10:34
